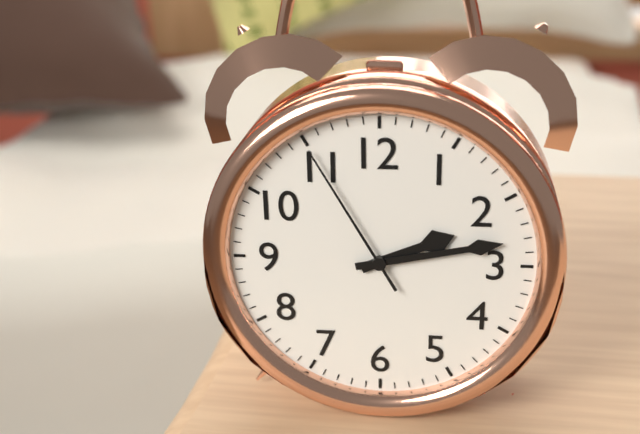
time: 2:13:55
